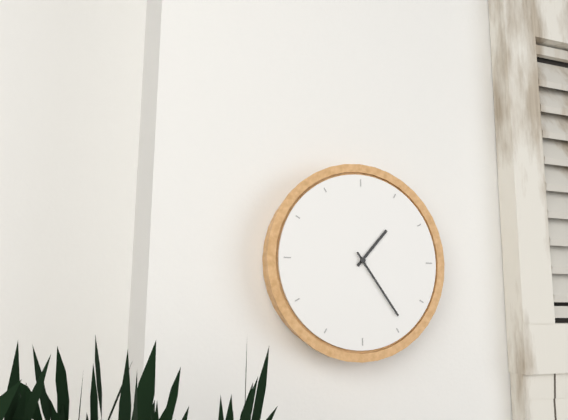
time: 1:24
